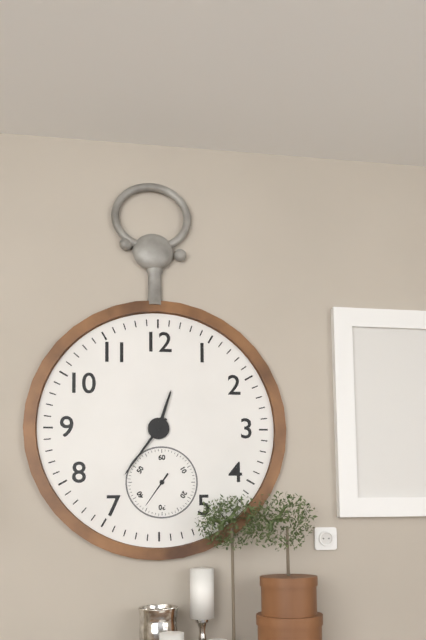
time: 12:36
